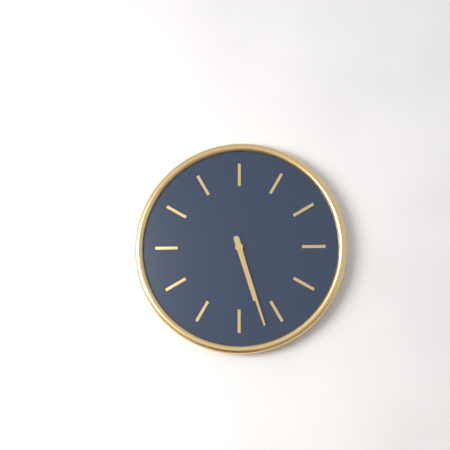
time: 5:27
